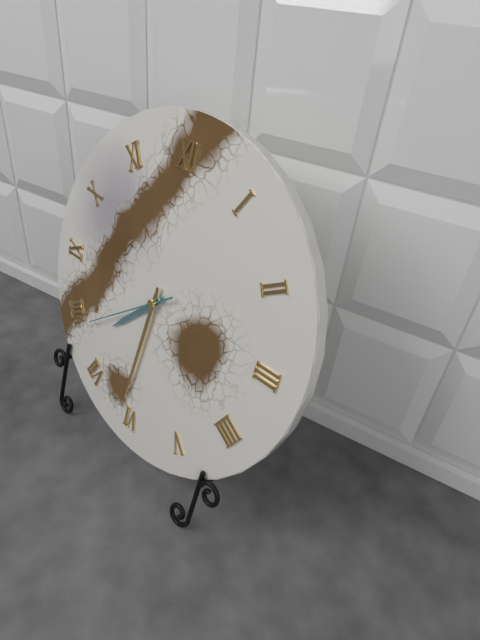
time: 7:31:39
